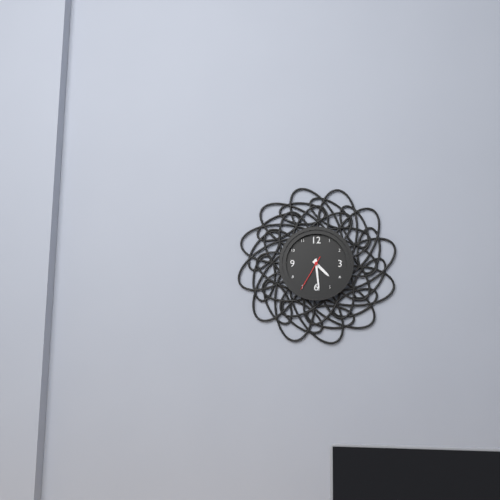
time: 4:29
